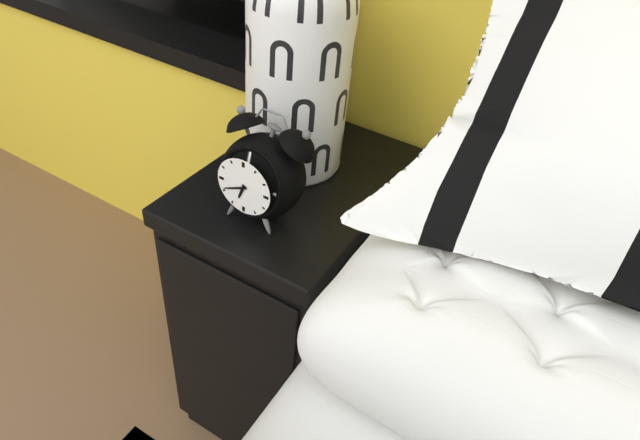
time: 6:41
